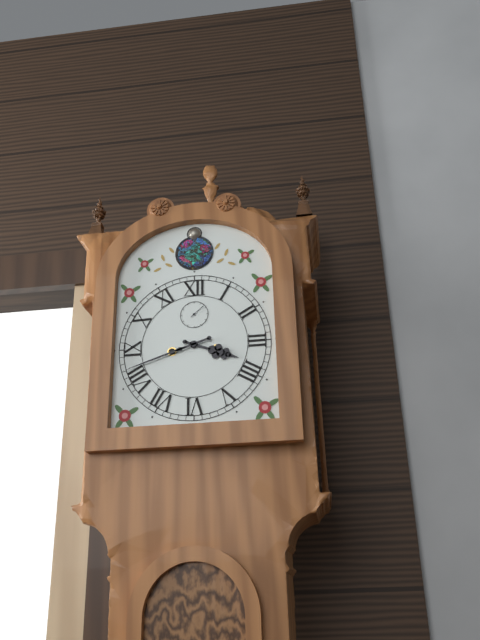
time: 3:42
